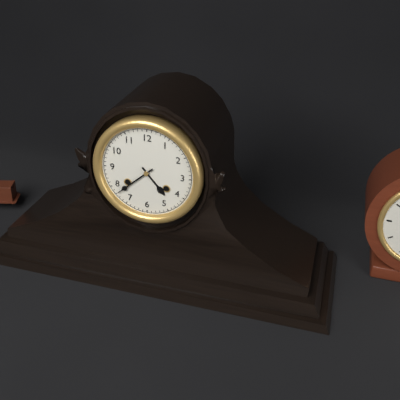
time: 4:38
